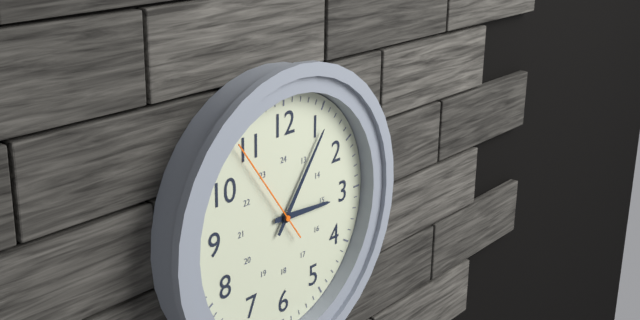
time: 3:06:54
